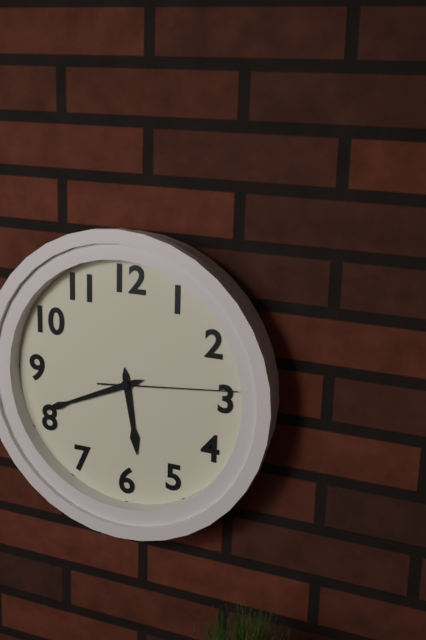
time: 5:41:14
